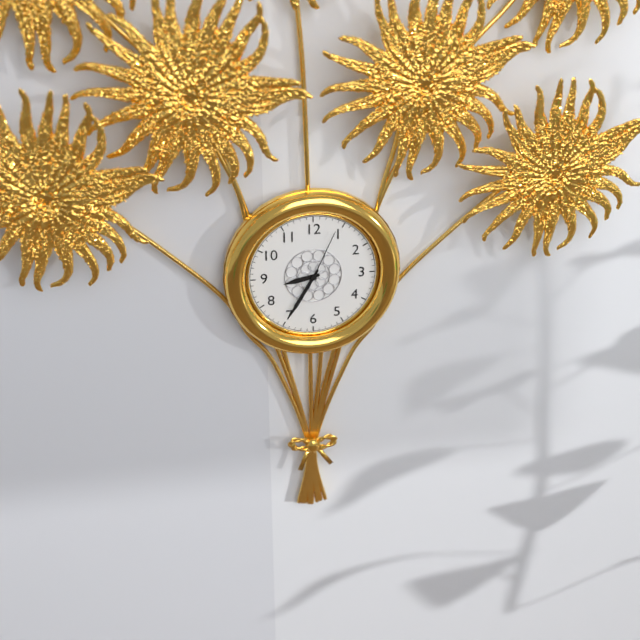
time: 8:35:04
